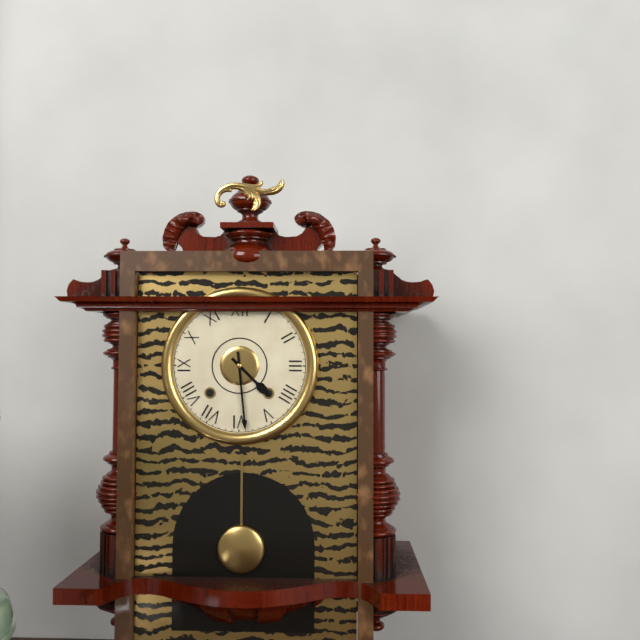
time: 4:29
